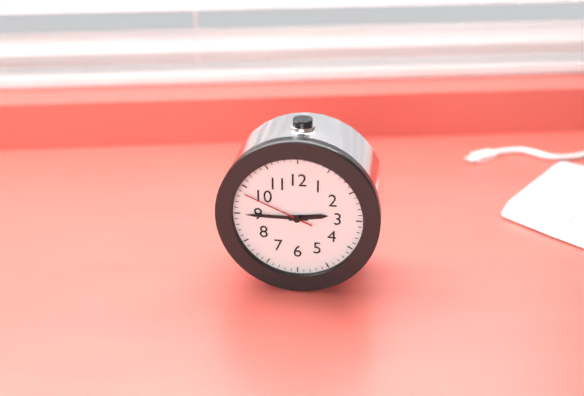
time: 2:45:49
